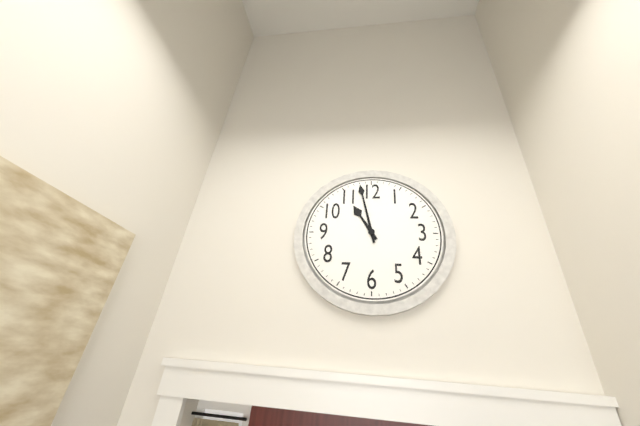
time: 10:58
